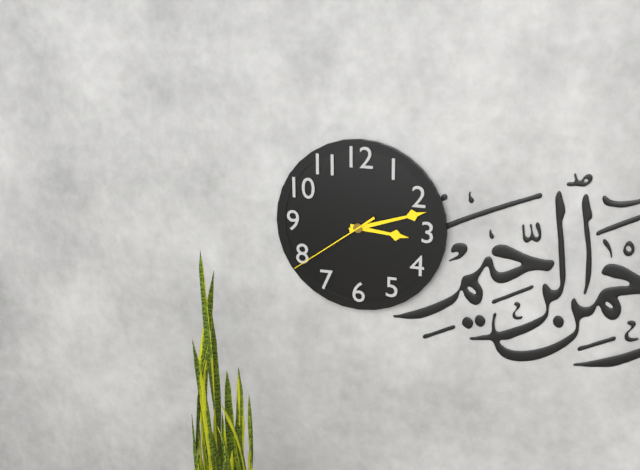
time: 3:12:39
